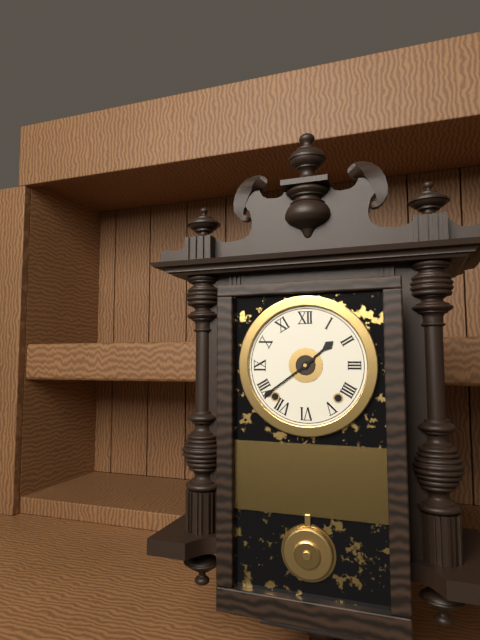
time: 1:39
